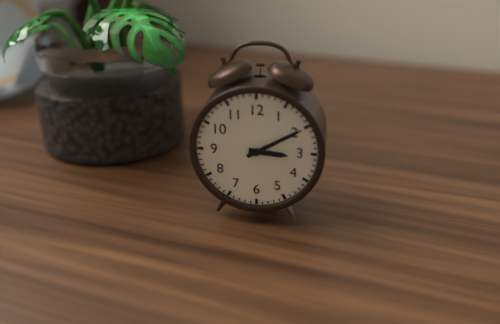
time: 3:10
